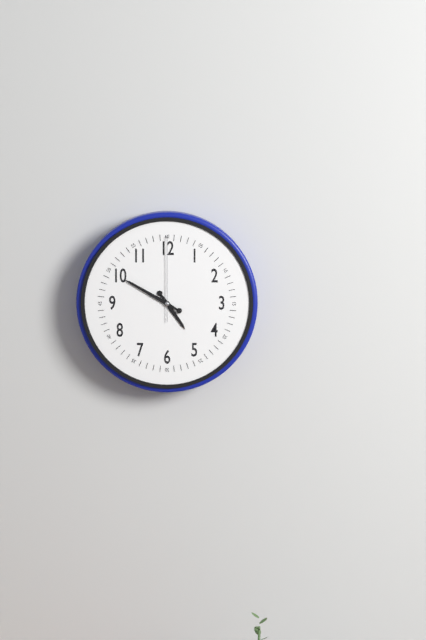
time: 4:50:00
